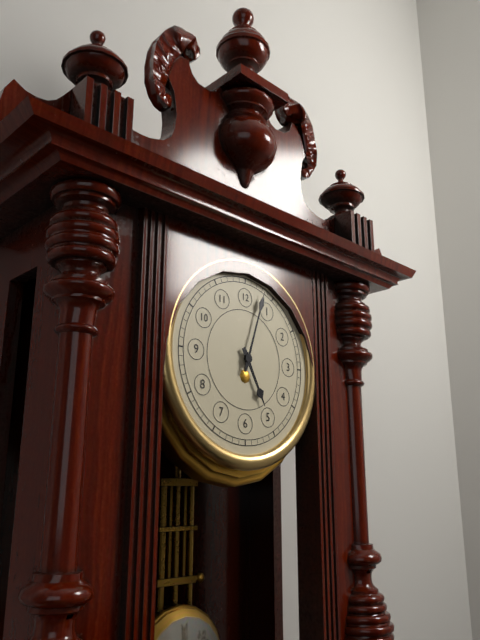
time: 5:03
